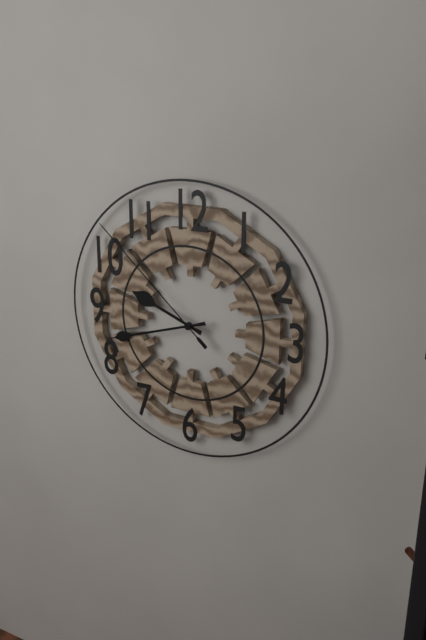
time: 9:42:52
